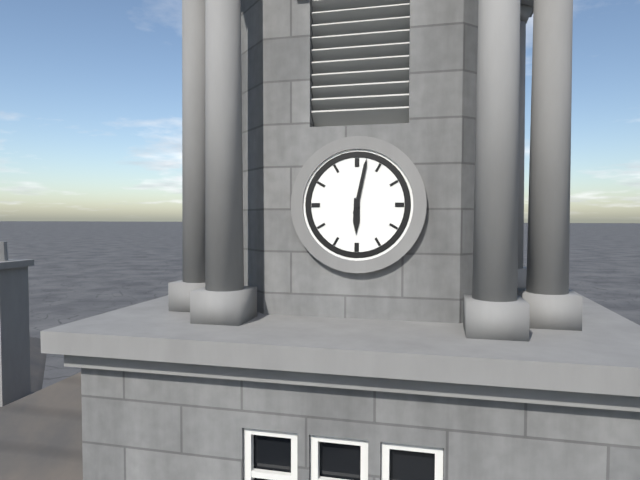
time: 6:02
